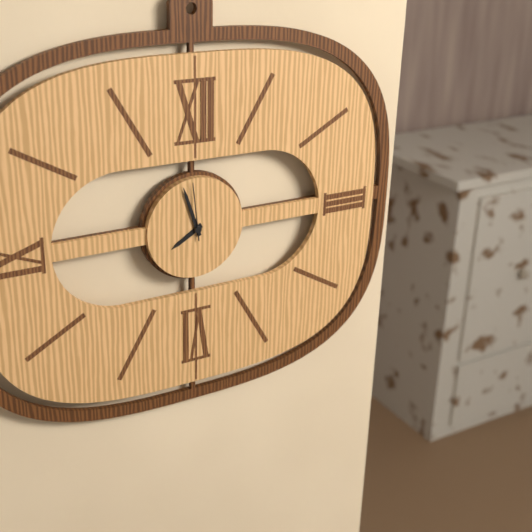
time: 7:57:59
